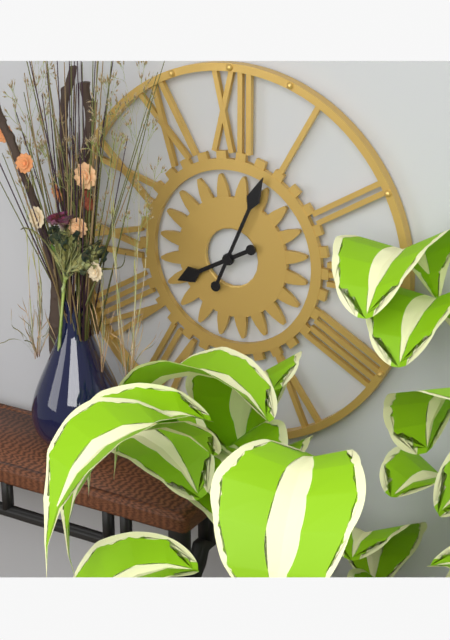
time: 8:04
